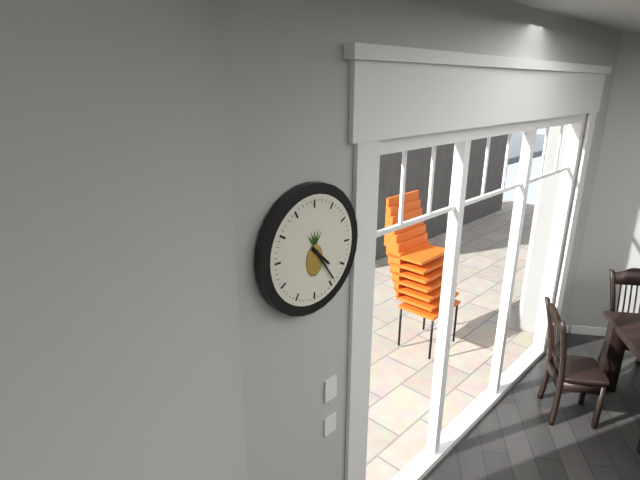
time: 4:24
